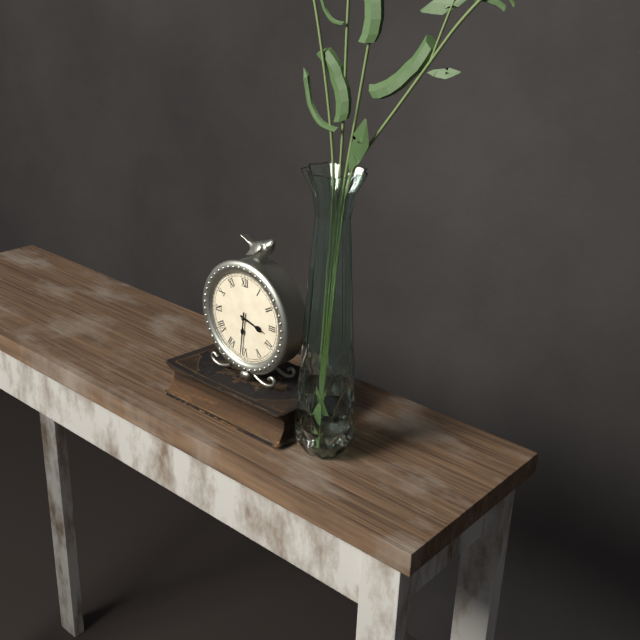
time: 3:31
